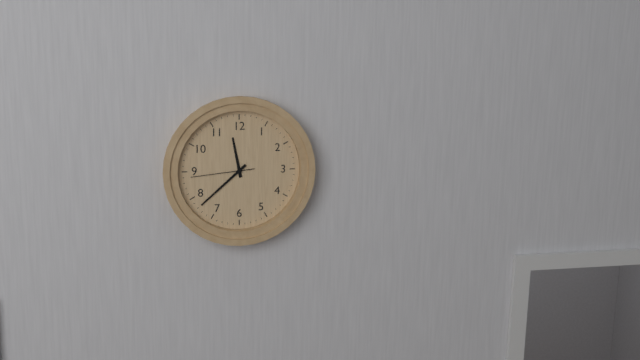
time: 11:38:44
